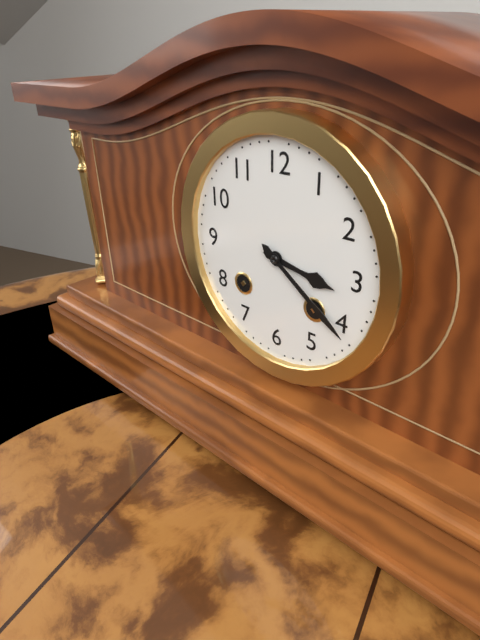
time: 3:21
